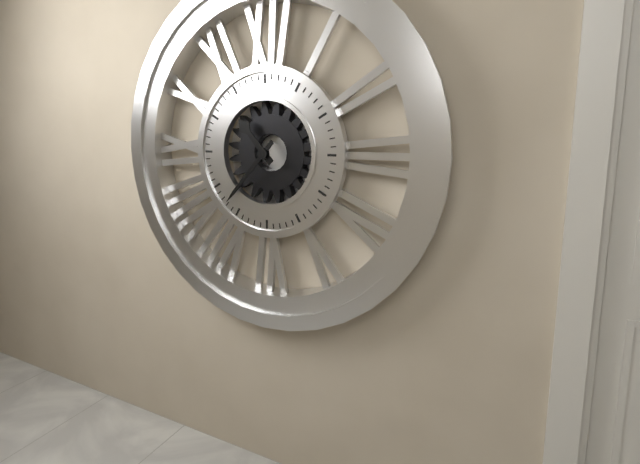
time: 10:37
